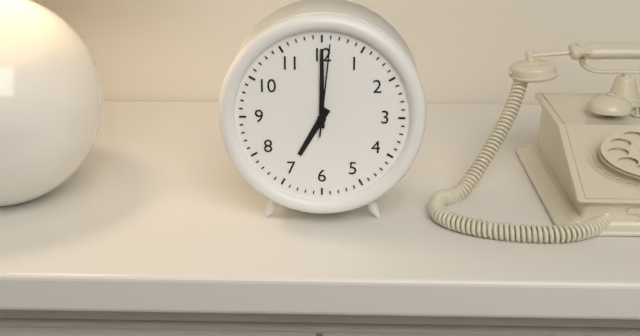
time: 7:00:01
